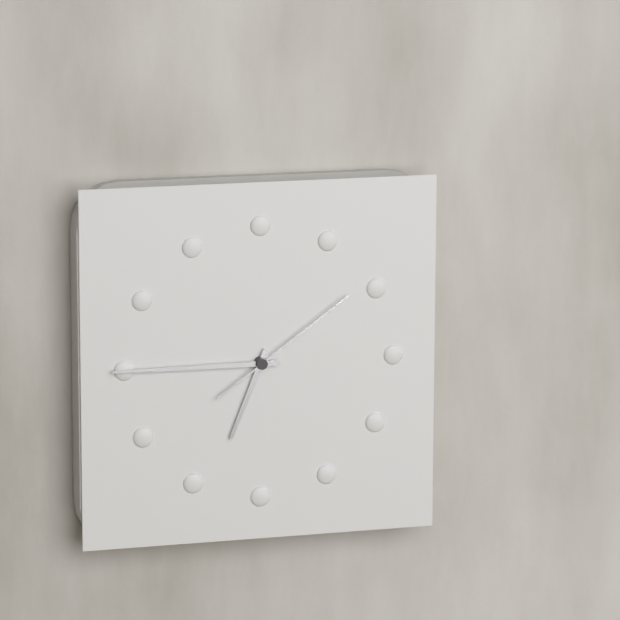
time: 6:45:09
